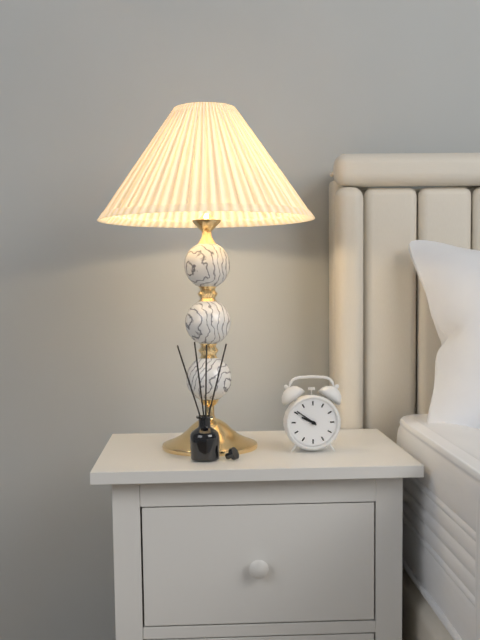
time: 9:51
